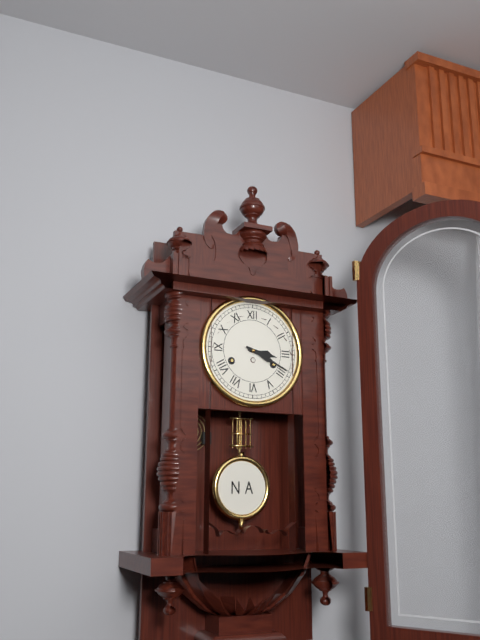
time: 3:19
